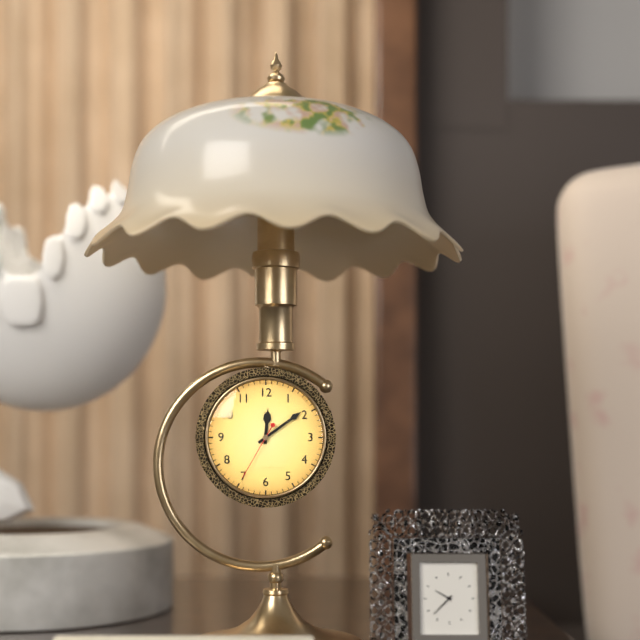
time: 12:09:35
